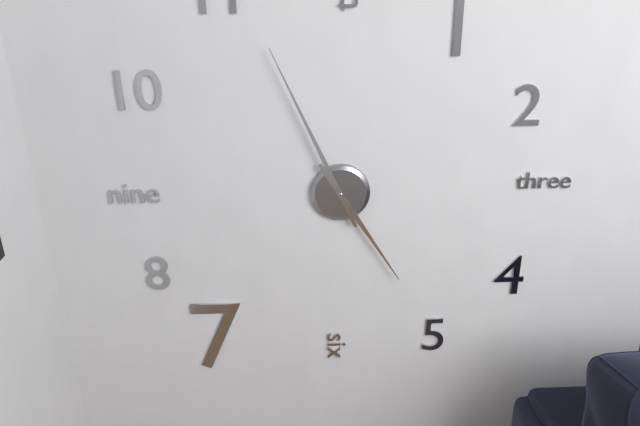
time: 4:56
